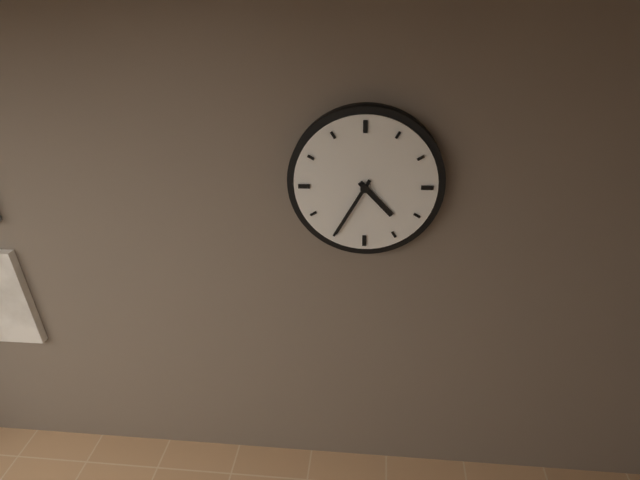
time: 4:35
